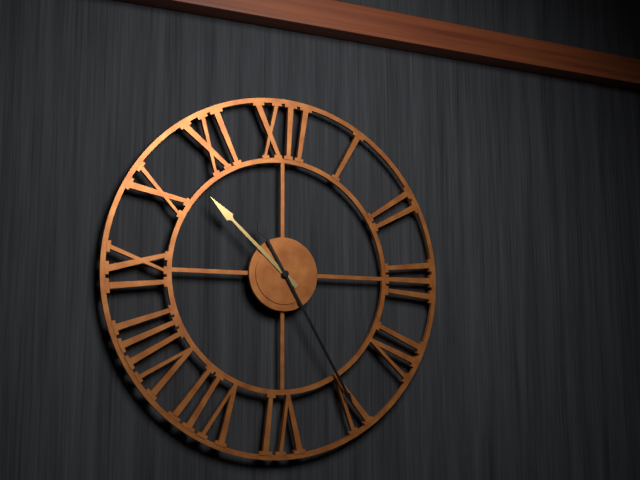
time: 10:25
